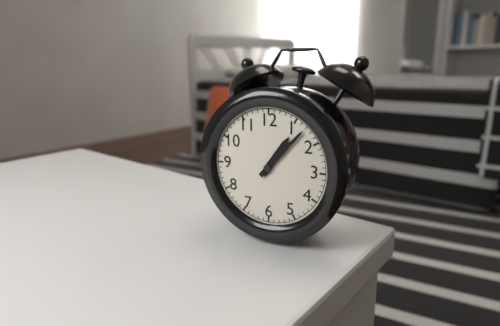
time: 1:07
